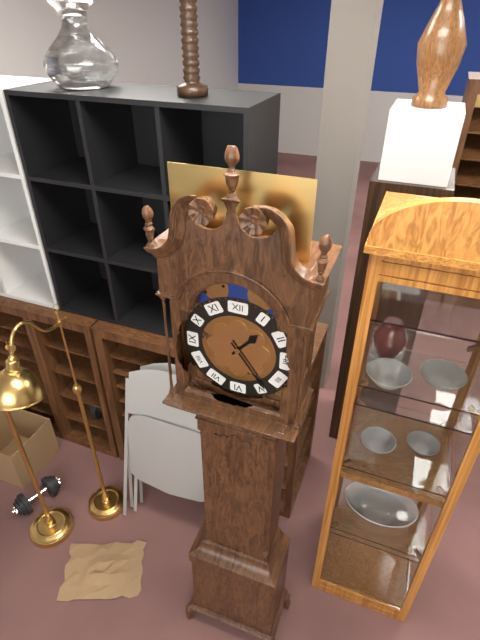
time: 1:24
